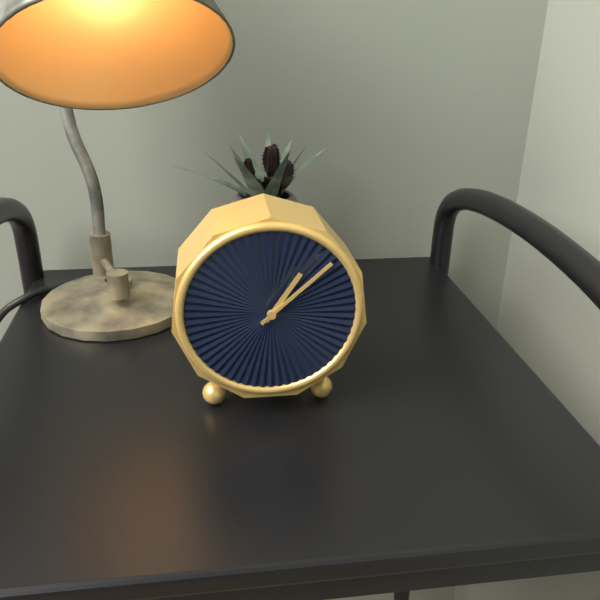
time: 1:08
